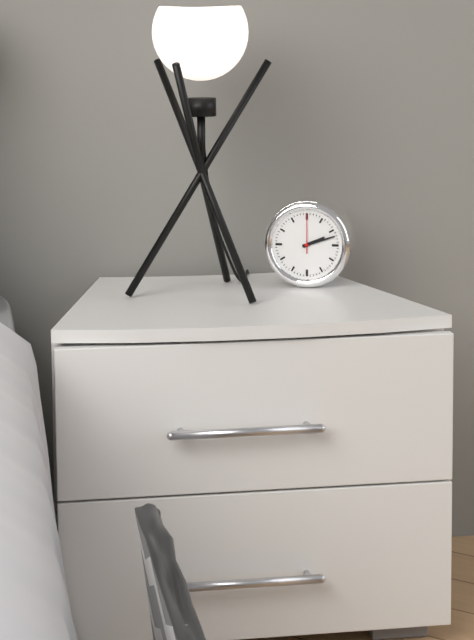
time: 2:12
